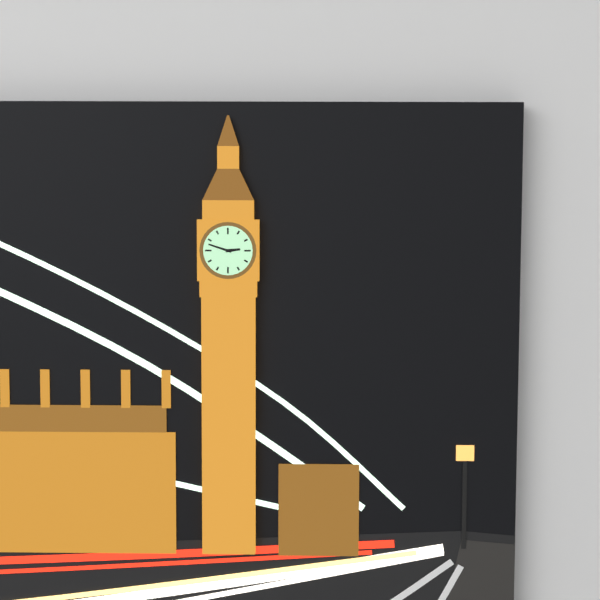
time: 2:48
